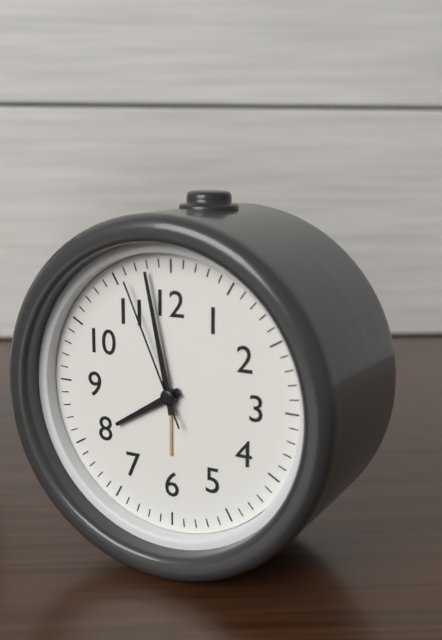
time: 7:58:56
